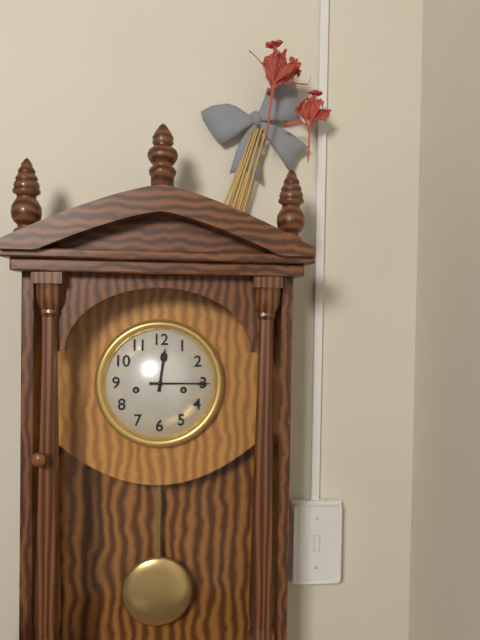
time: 12:15
